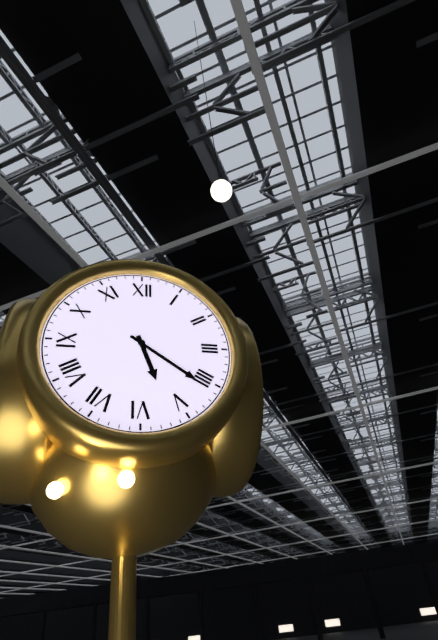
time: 5:21
